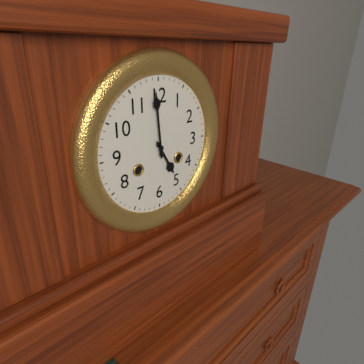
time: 4:59
